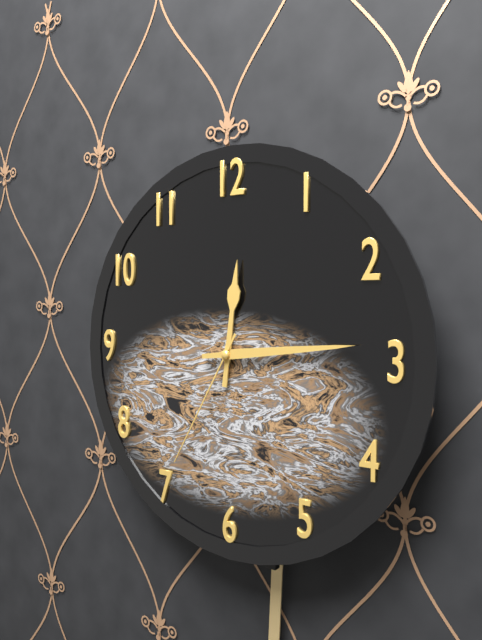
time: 12:14:35
